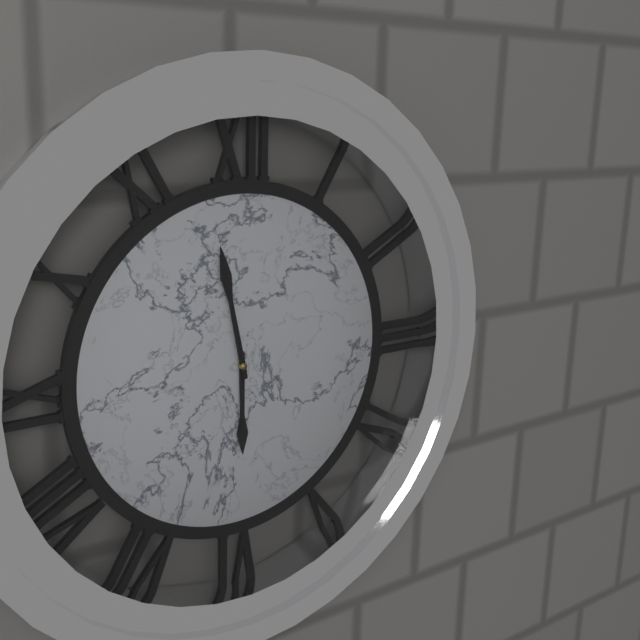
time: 5:58
